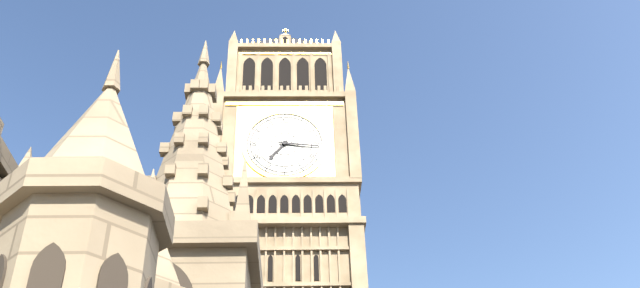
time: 7:16
